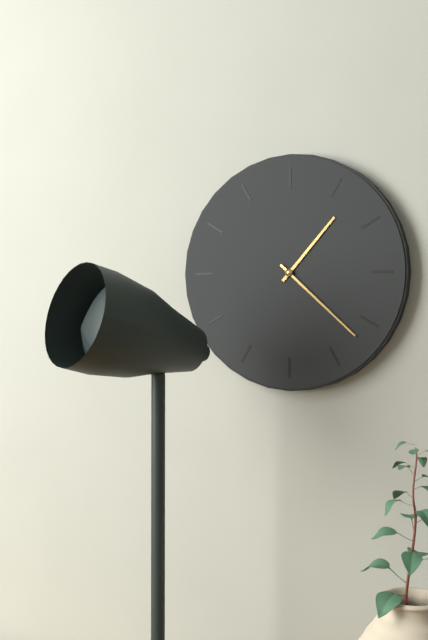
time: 1:22
